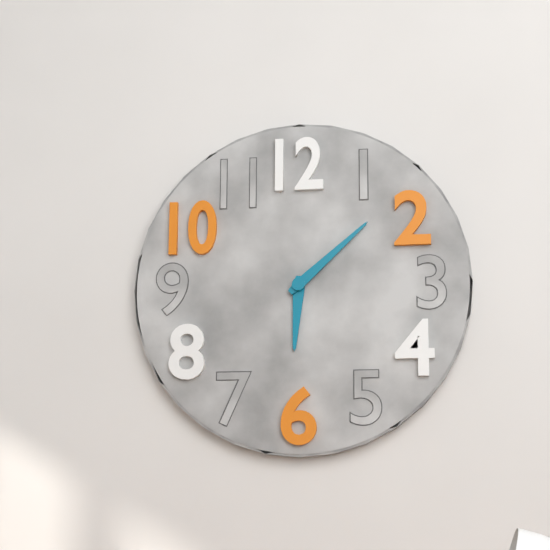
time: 6:08
